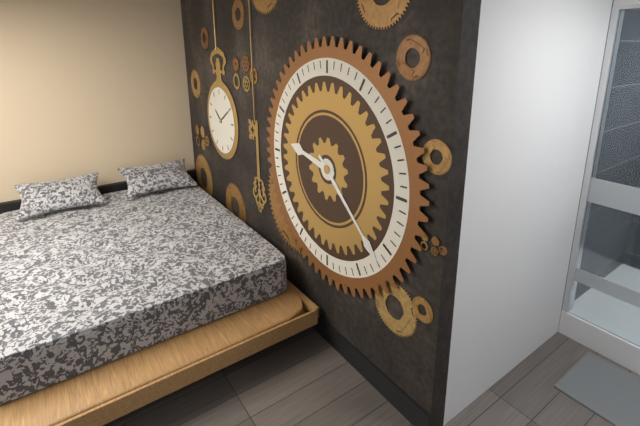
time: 9:22
